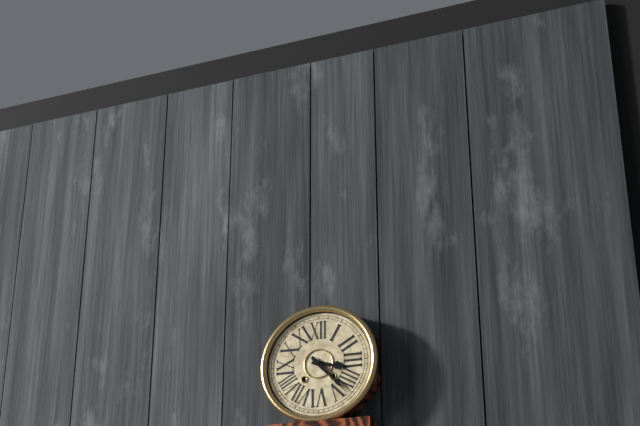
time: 3:23
